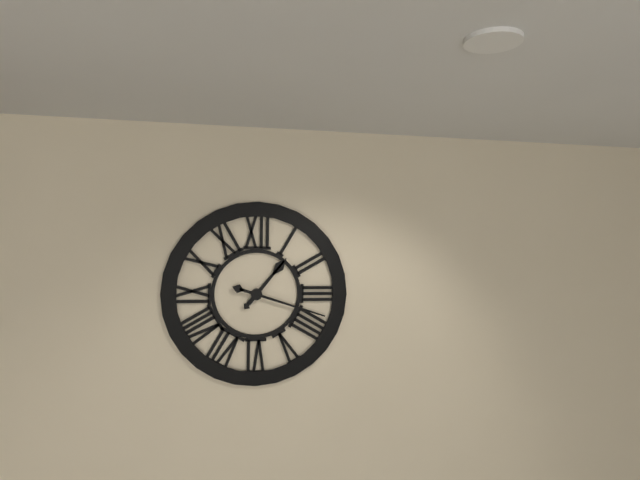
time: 1:18
